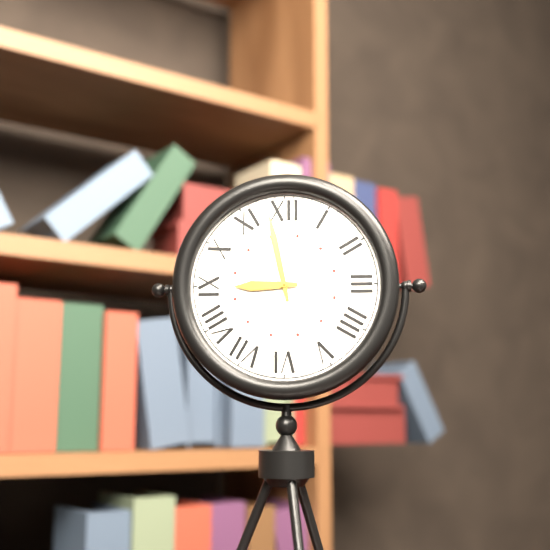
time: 8:58
